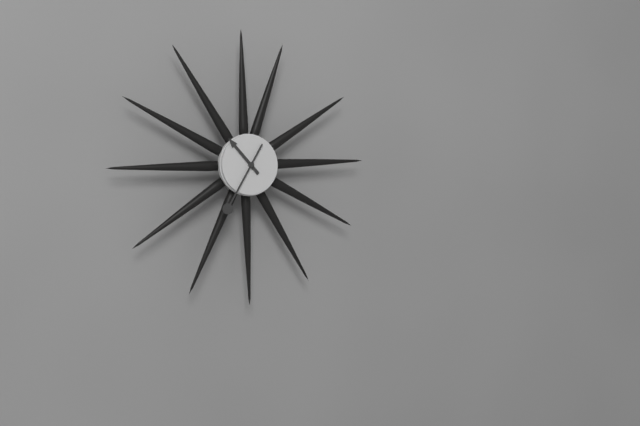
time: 10:35
